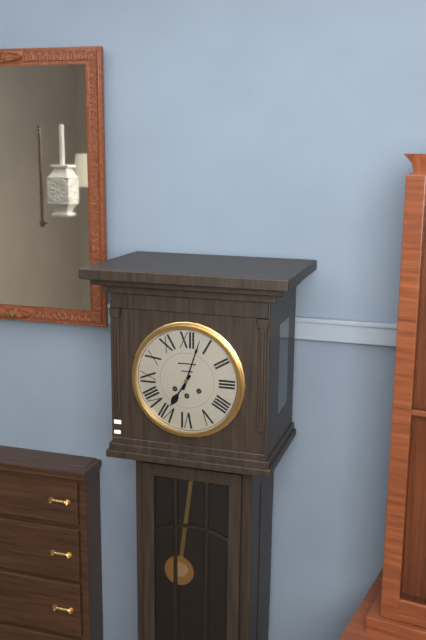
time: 7:03
